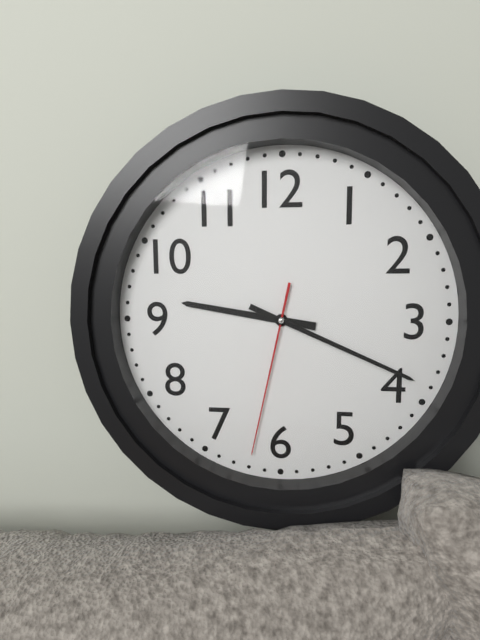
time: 9:19:32
